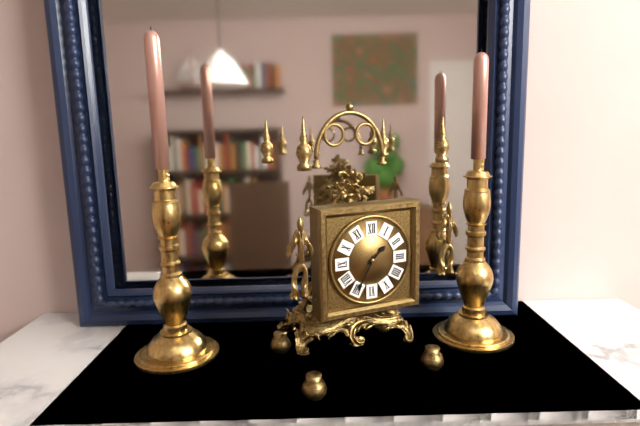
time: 1:35
